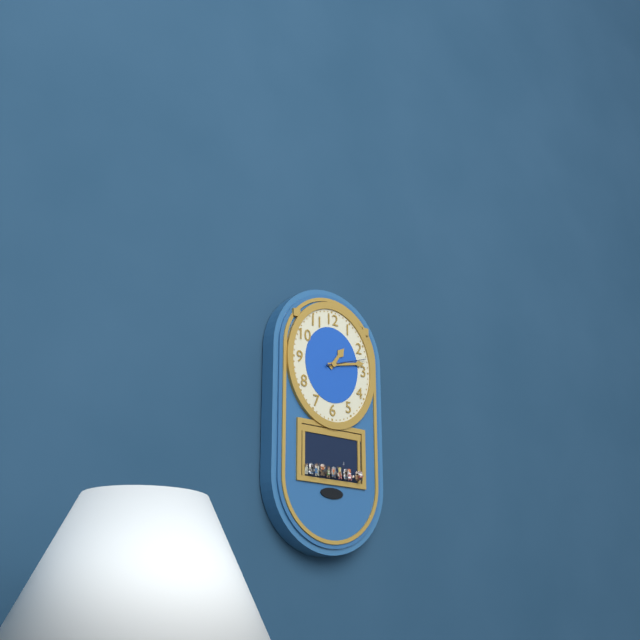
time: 1:13:12
